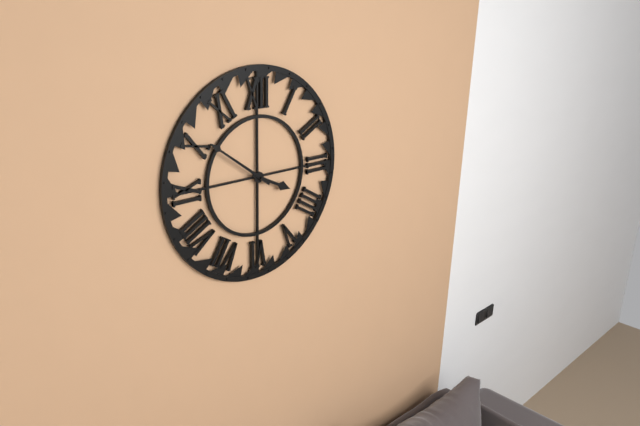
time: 3:51
